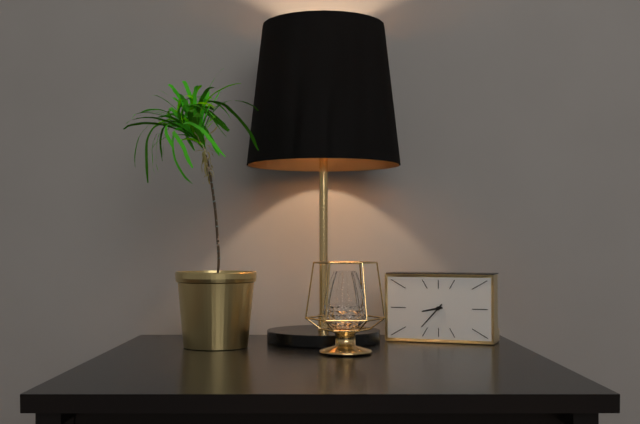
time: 8:37
